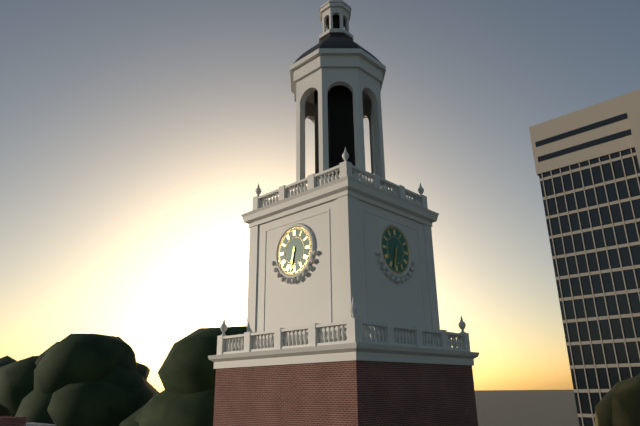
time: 6:32
